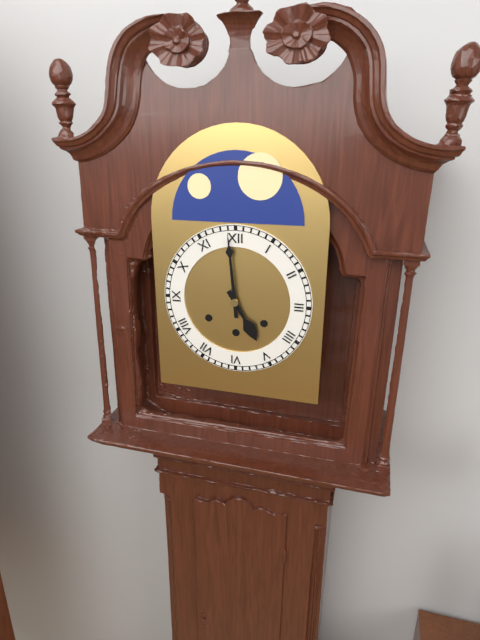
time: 4:59
